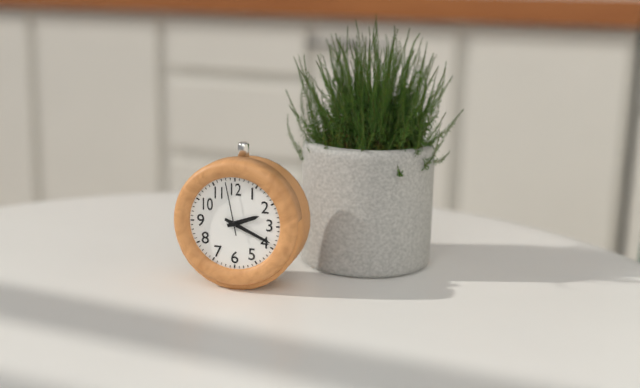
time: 2:19:58
